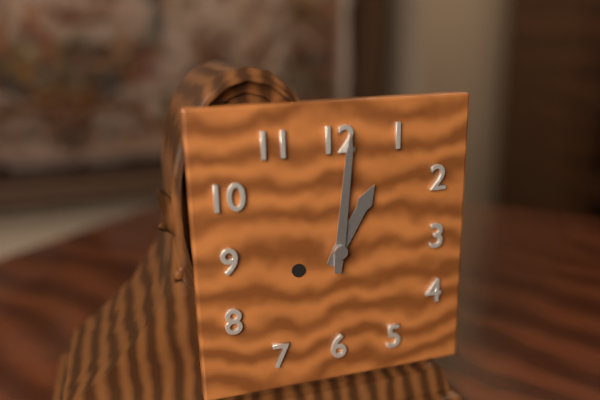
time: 1:01
